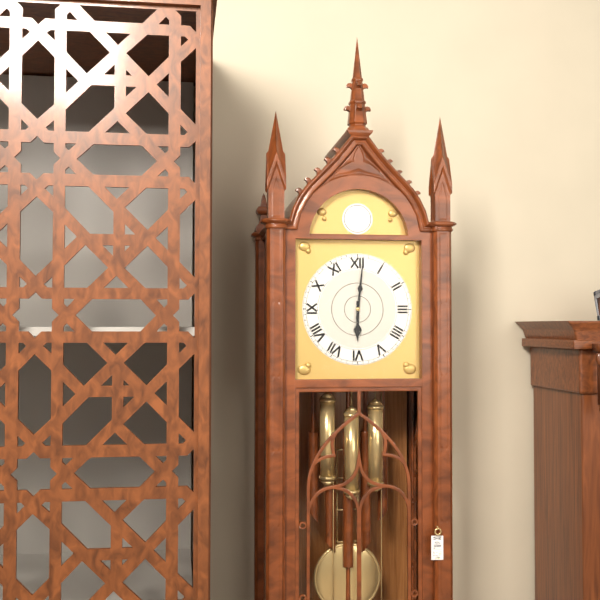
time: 6:01
